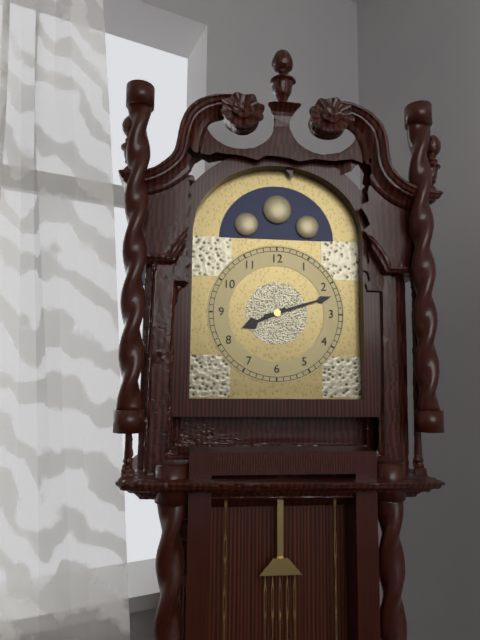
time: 8:12
